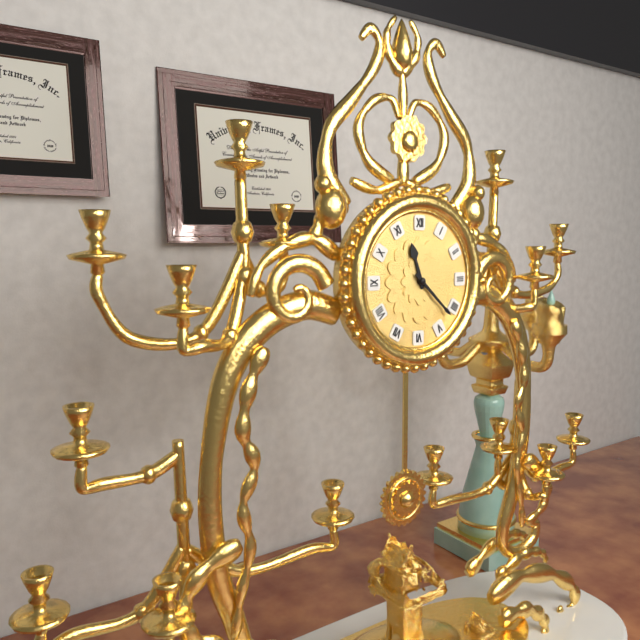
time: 11:22
